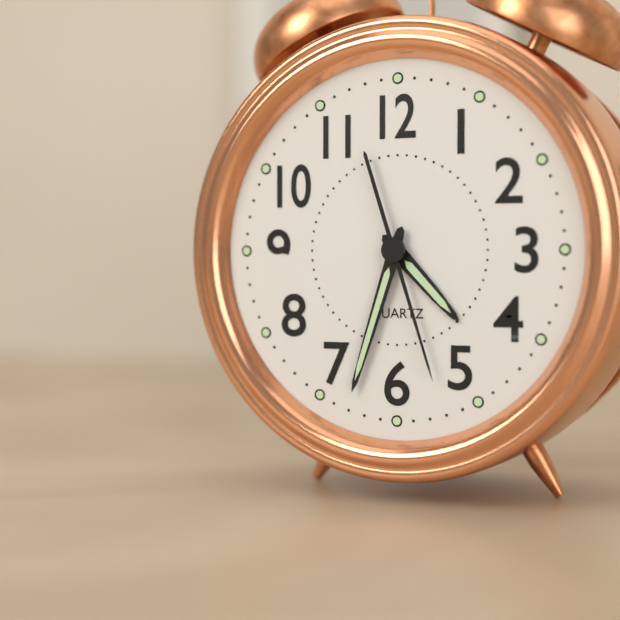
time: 4:33:27
